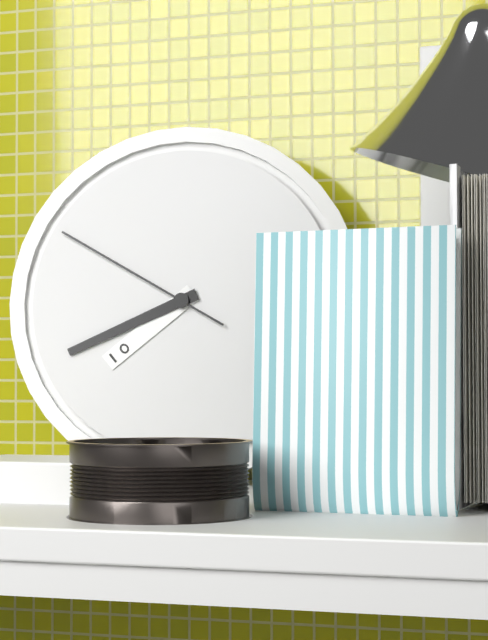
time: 7:41:50
